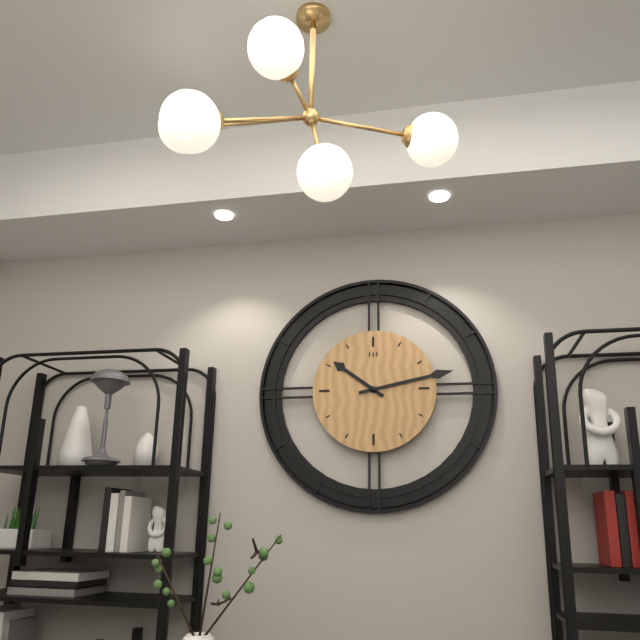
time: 10:13
